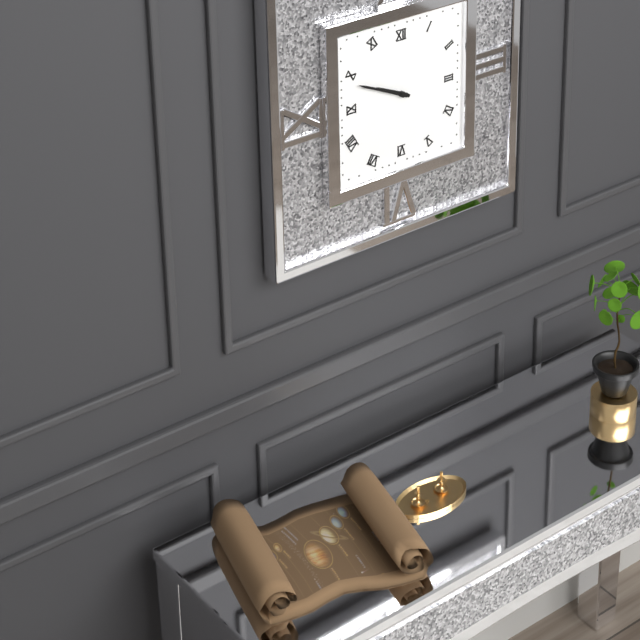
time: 9:49
